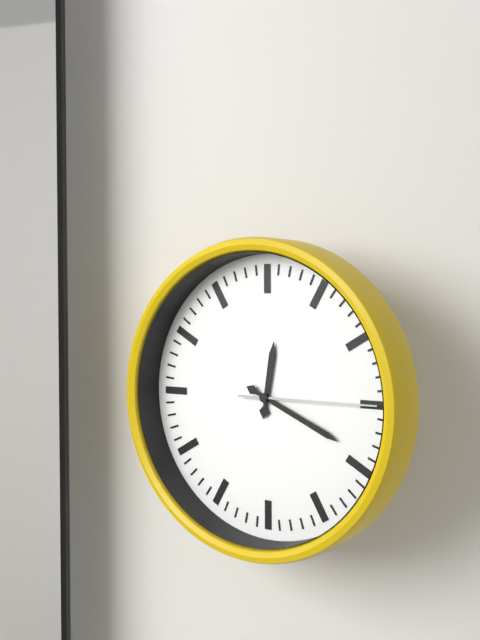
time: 12:19:15
